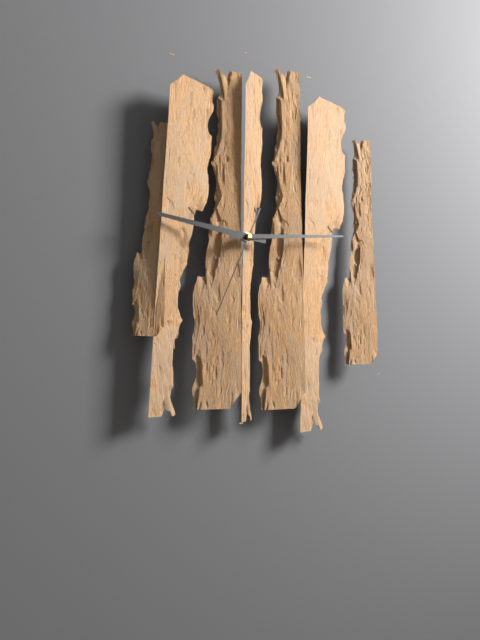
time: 9:14:34
